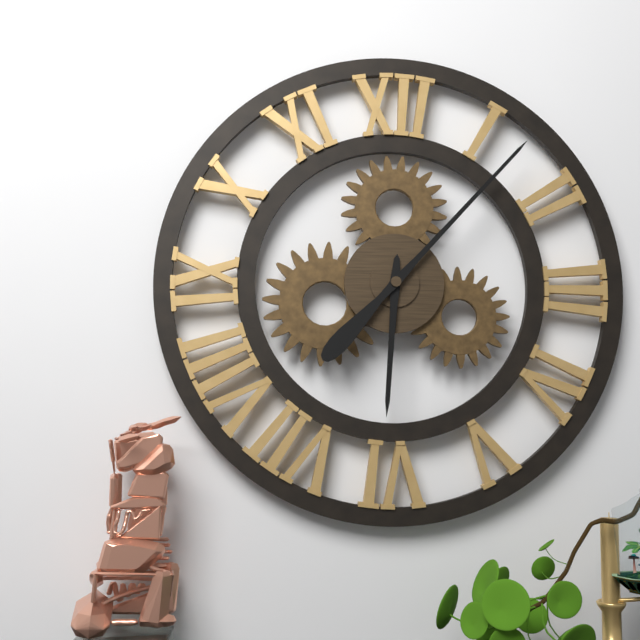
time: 6:07
